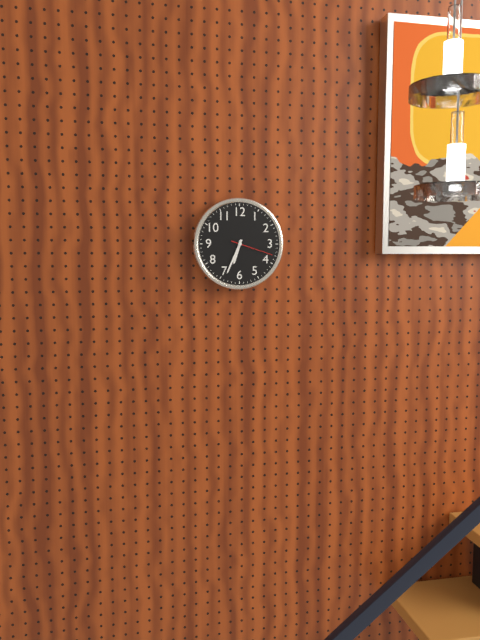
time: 6:34
